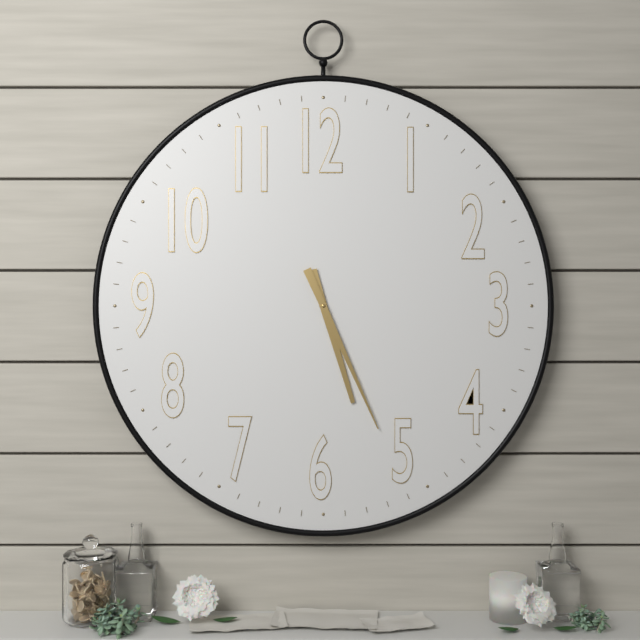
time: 5:26
